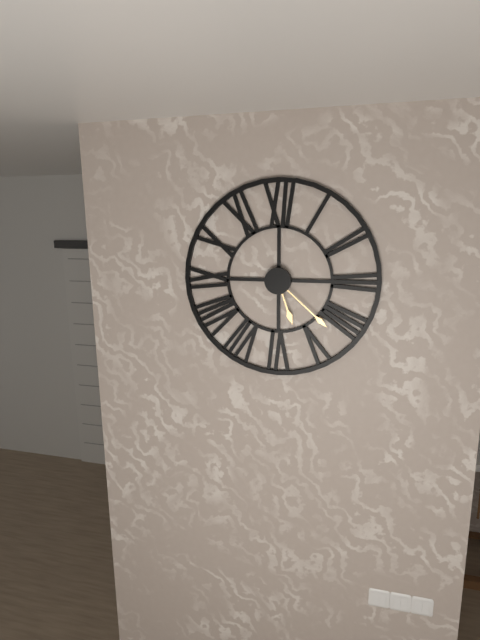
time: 5:22
